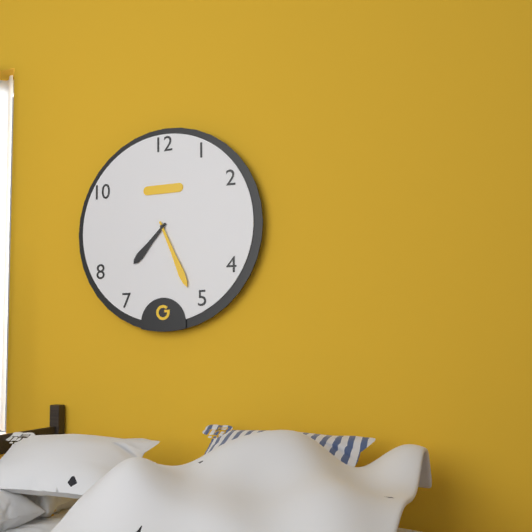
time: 7:26
